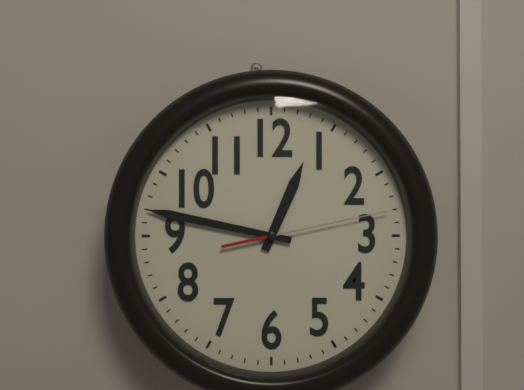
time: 12:47:13
